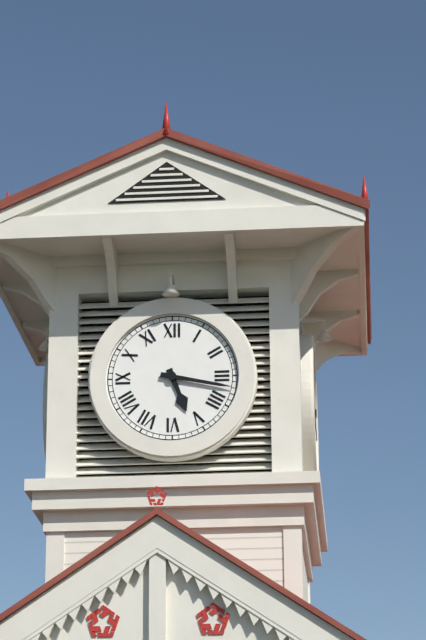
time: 5:17
